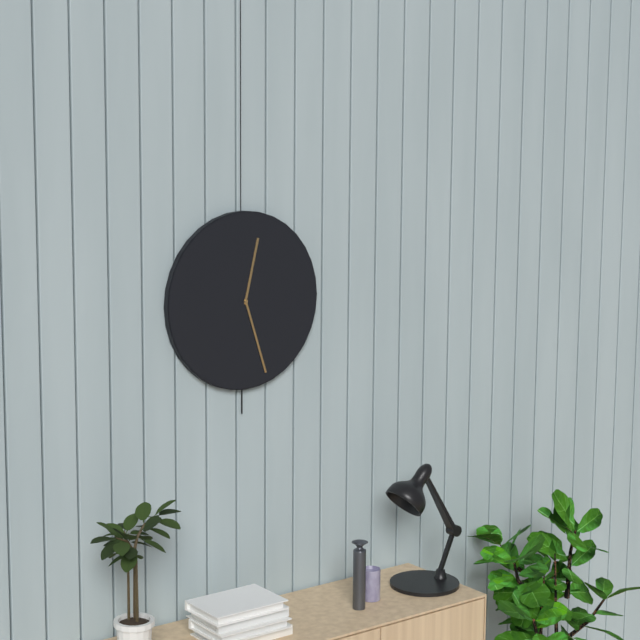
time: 12:27
